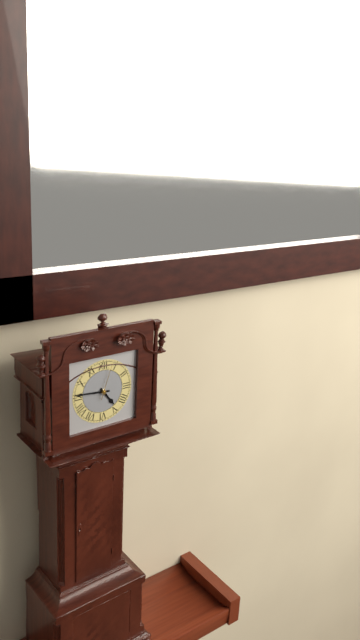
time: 4:46
